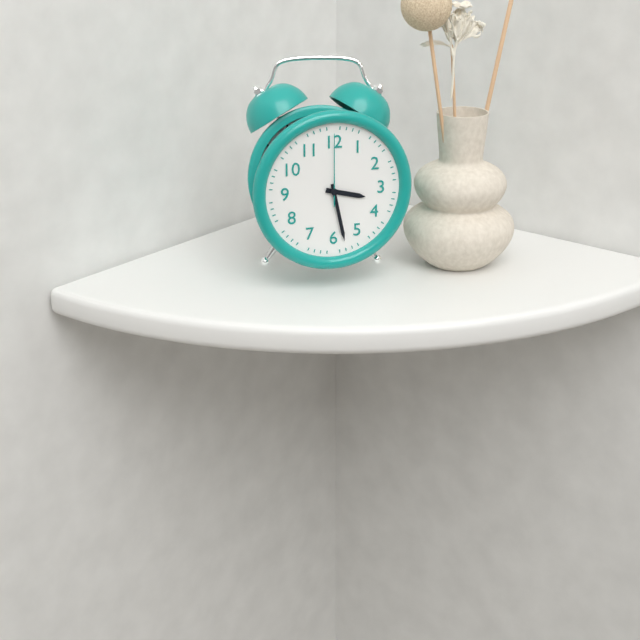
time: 3:28:00
